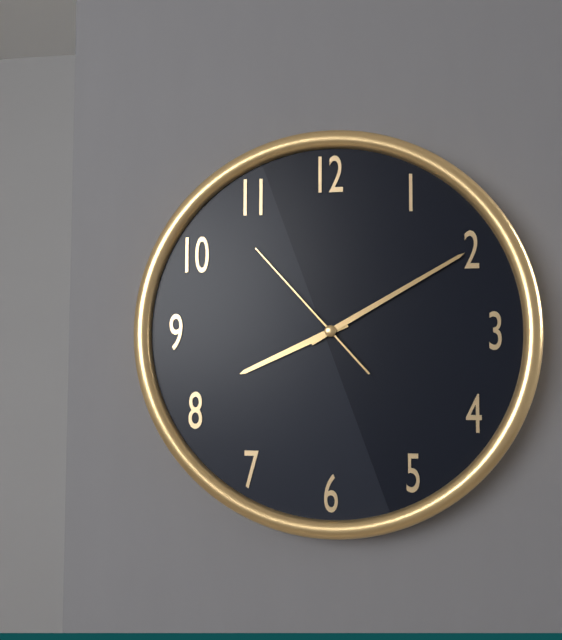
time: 8:10:53
